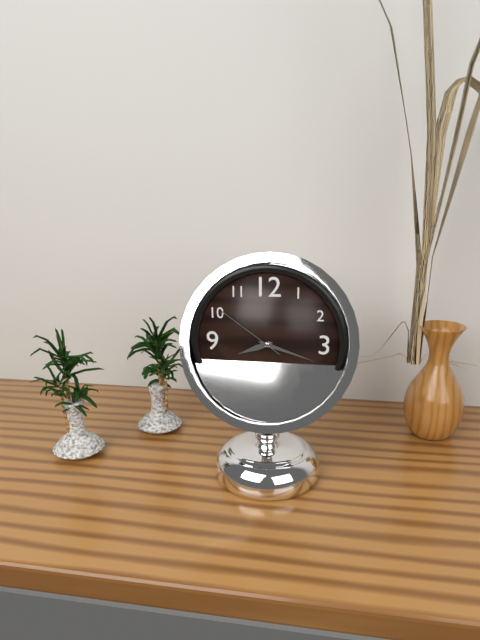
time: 8:18:51
